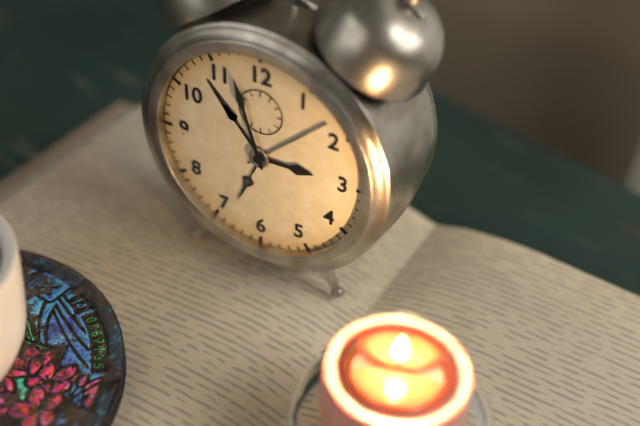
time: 2:57
